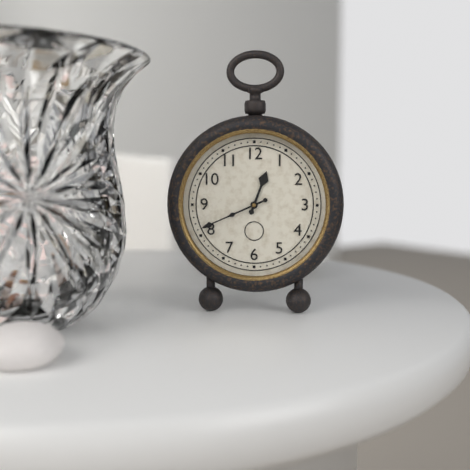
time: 12:41
